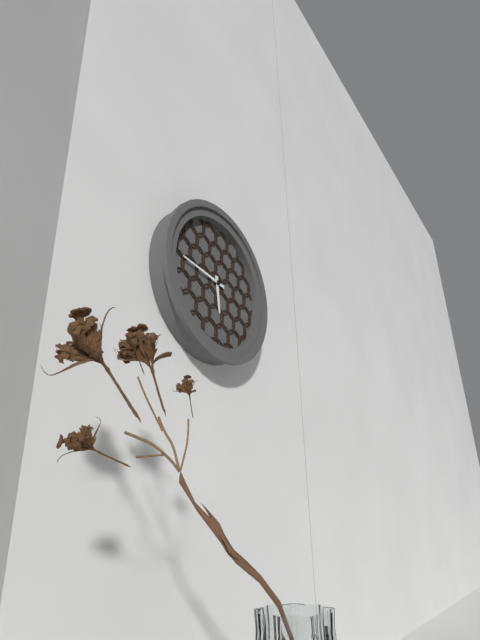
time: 5:46
